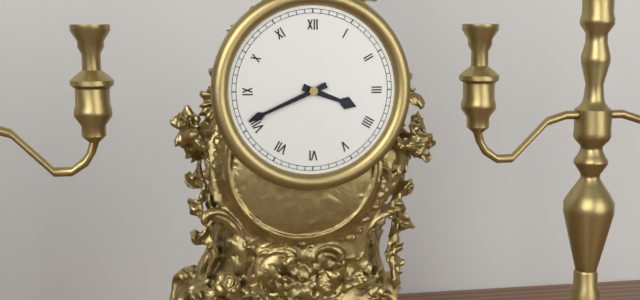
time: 3:41
